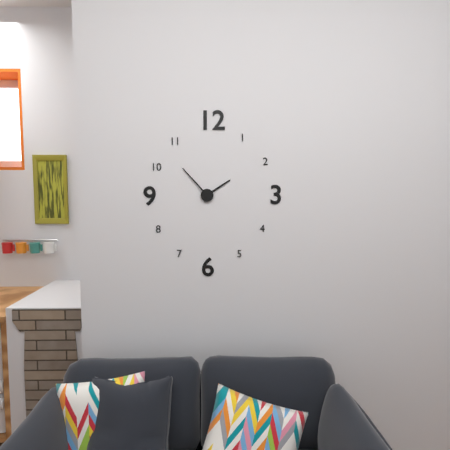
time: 1:53
